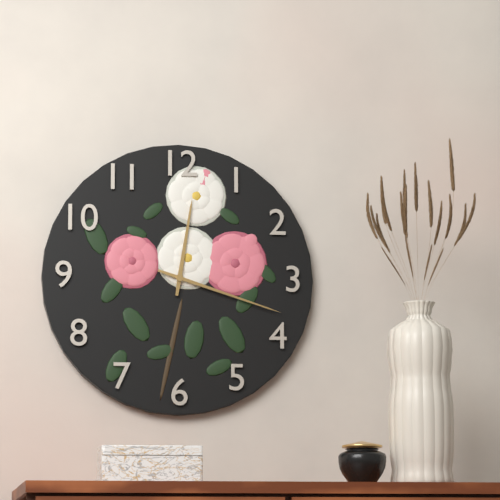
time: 12:18
